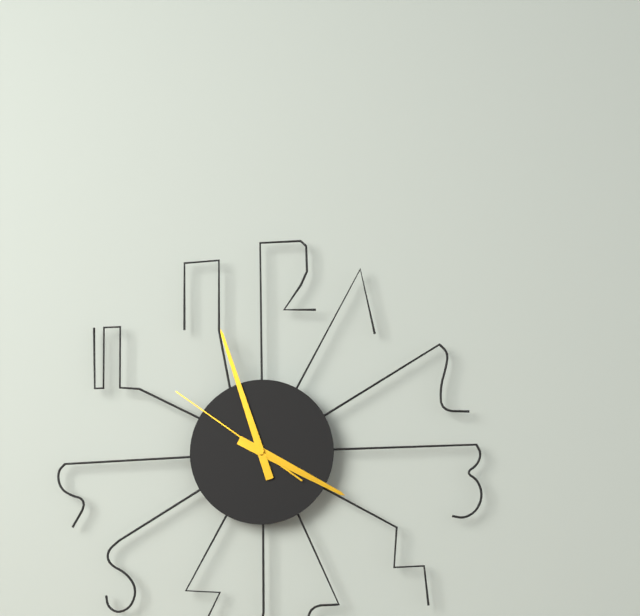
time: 3:57:51
